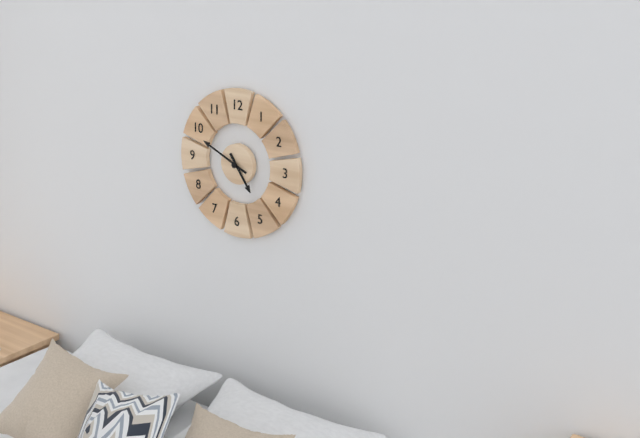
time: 4:49
